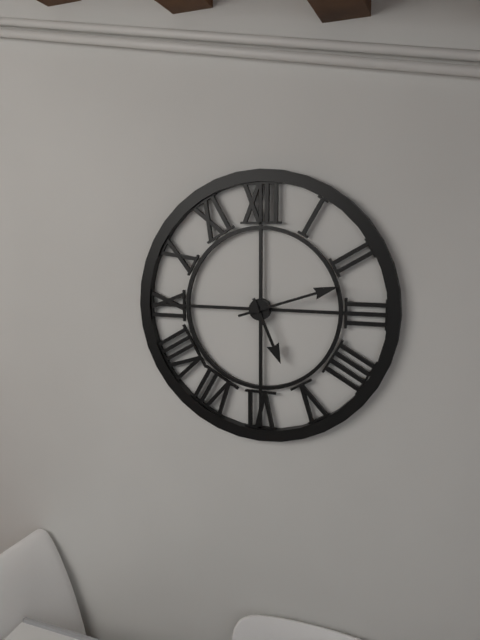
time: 5:12
